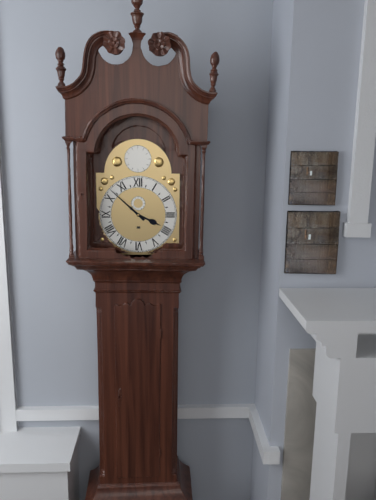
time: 3:52
